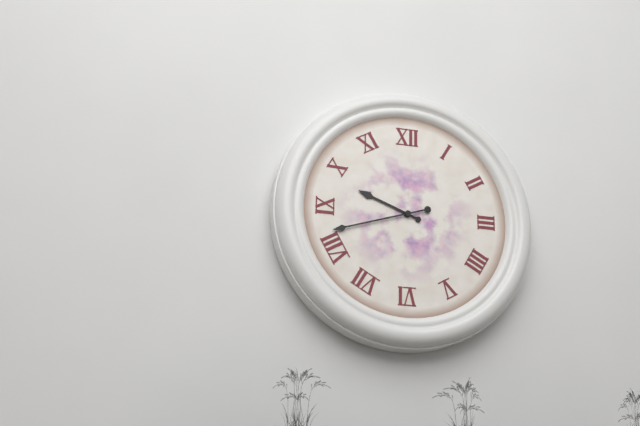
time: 9:42
